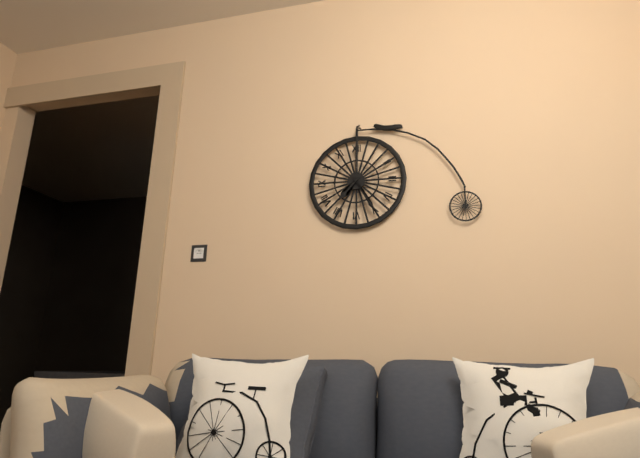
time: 7:25
